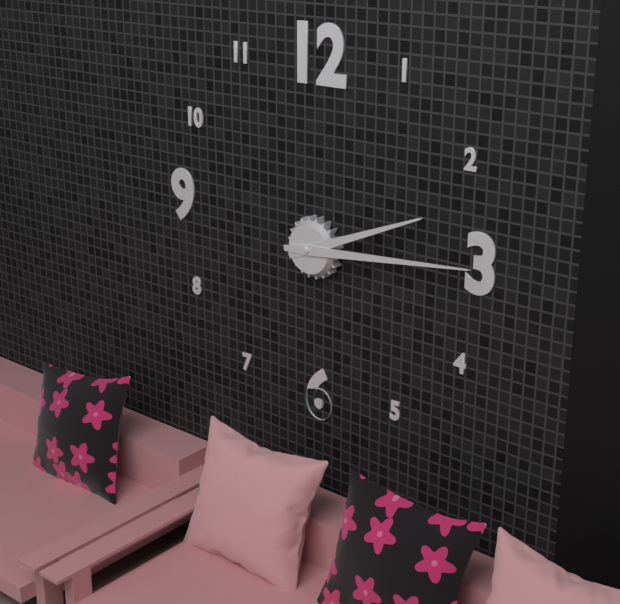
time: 2:14
